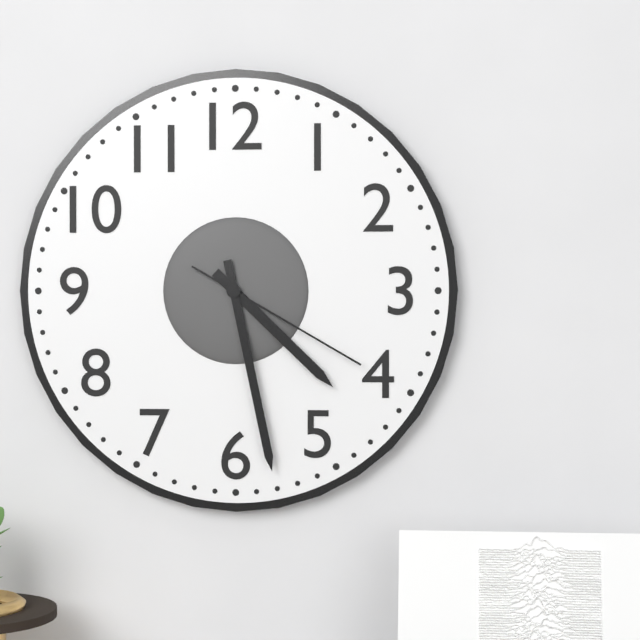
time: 4:28:20
